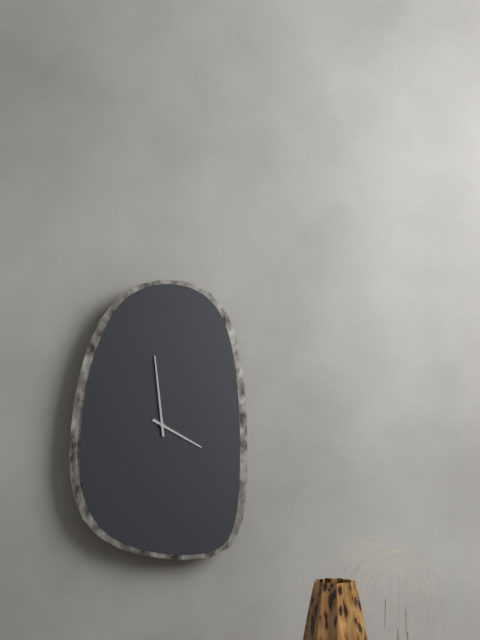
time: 3:59
